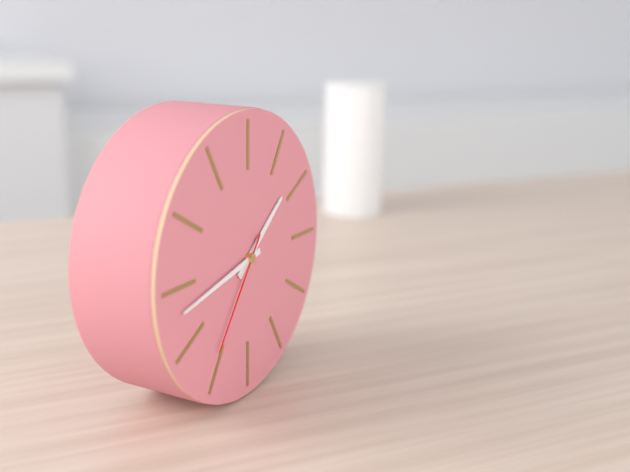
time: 1:43:36
